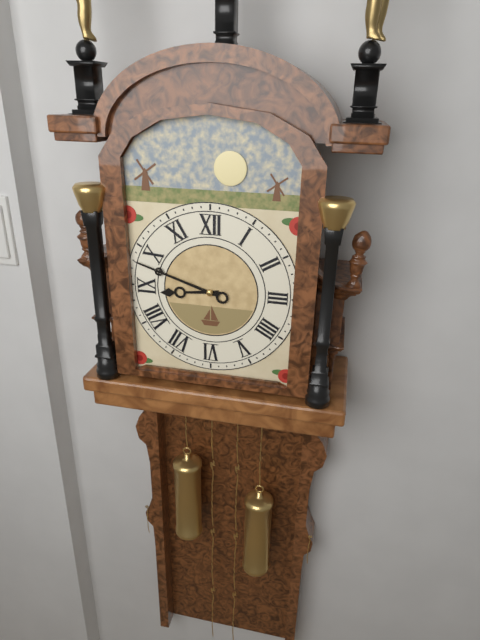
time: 8:48
